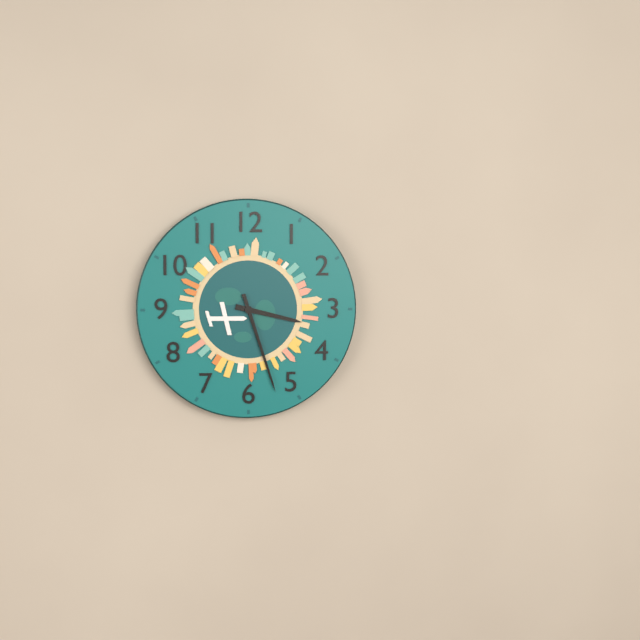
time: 3:27
